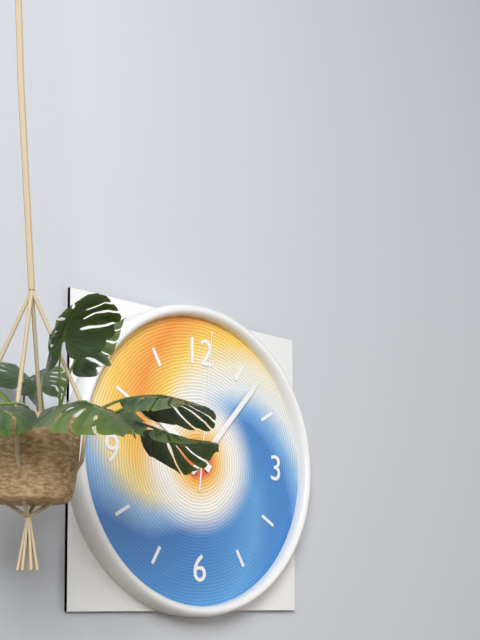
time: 10:07:01
